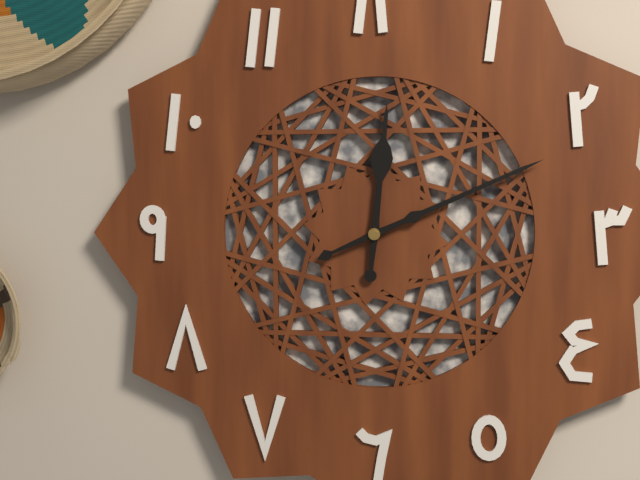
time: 12:11
